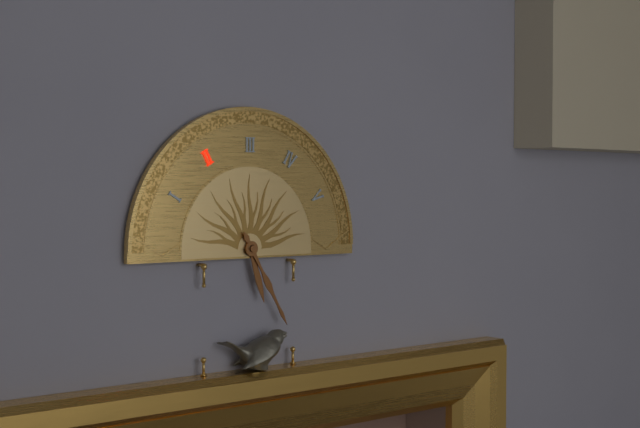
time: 5:25
